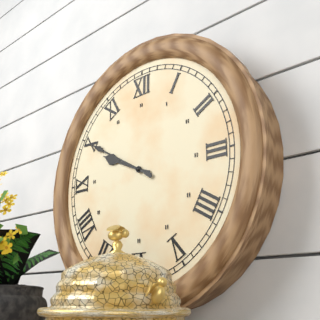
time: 9:50
